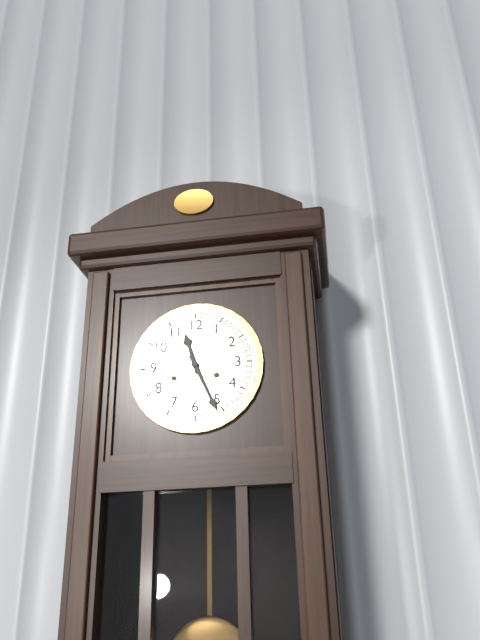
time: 11:26
